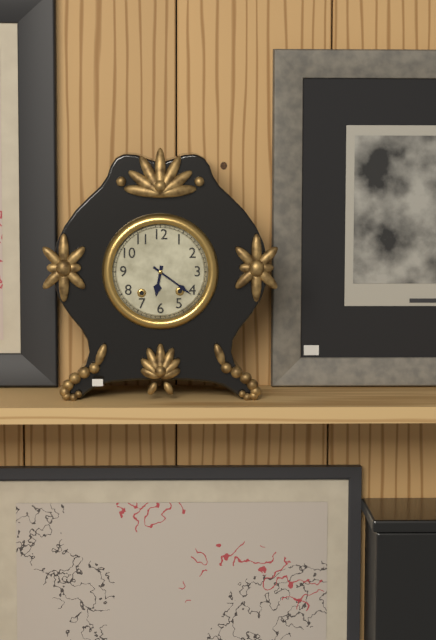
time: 6:21
